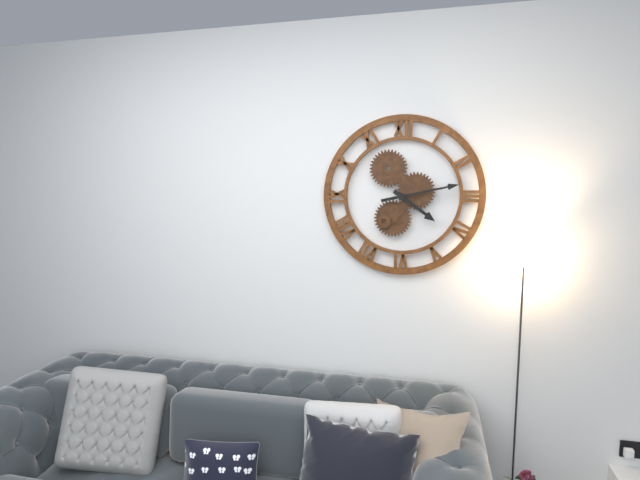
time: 4:13
